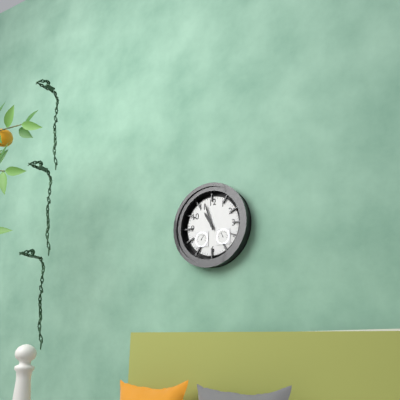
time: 10:57
